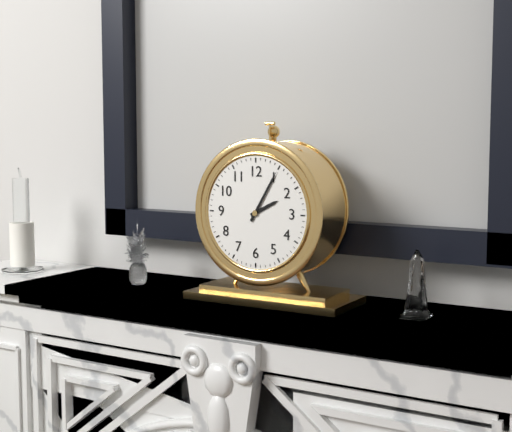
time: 2:05
